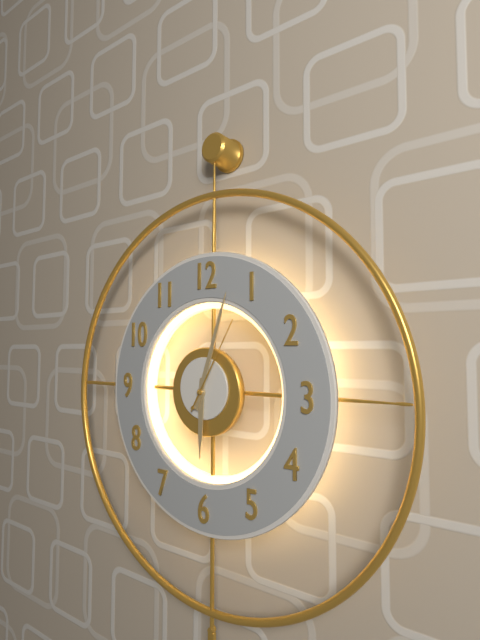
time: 6:03:05
